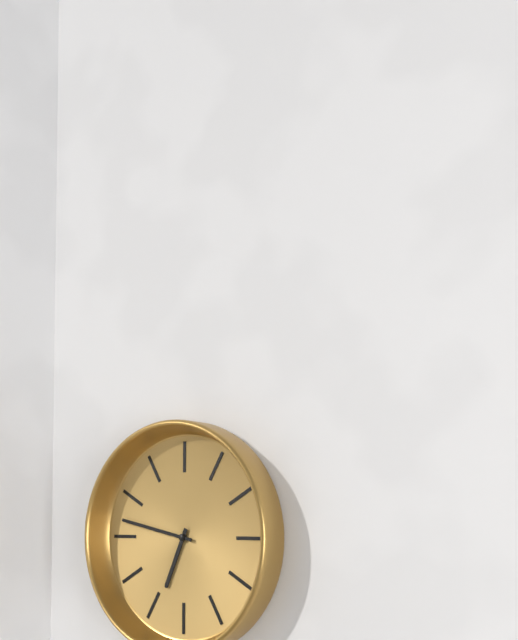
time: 6:47
